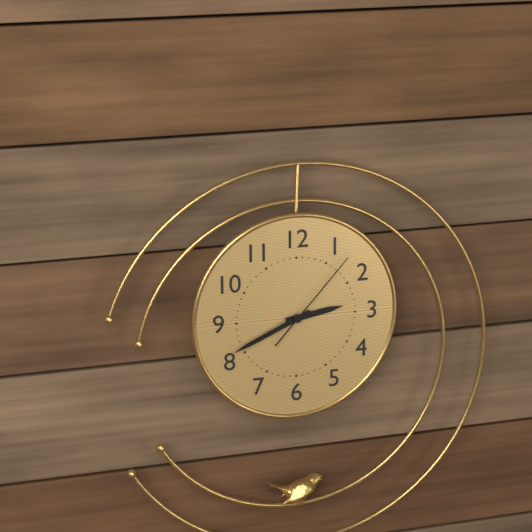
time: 2:41:07
